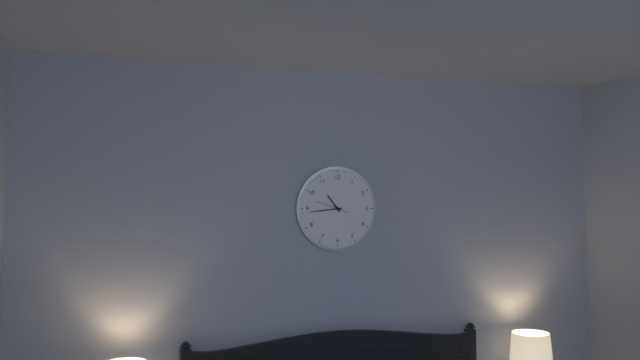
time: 10:44
